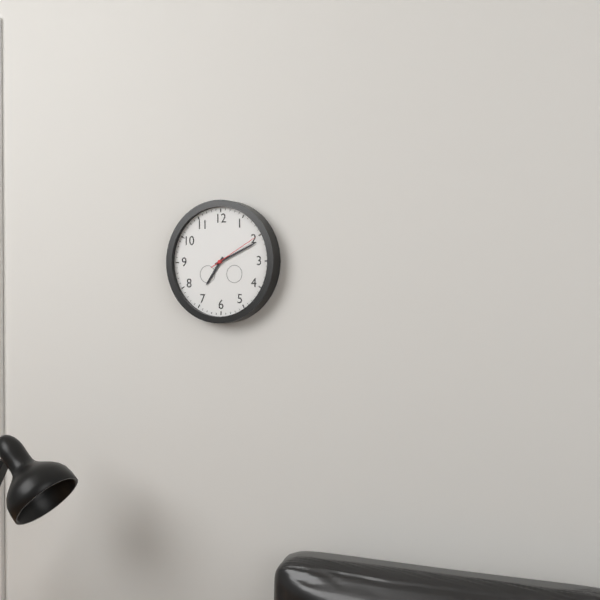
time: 7:11:10
